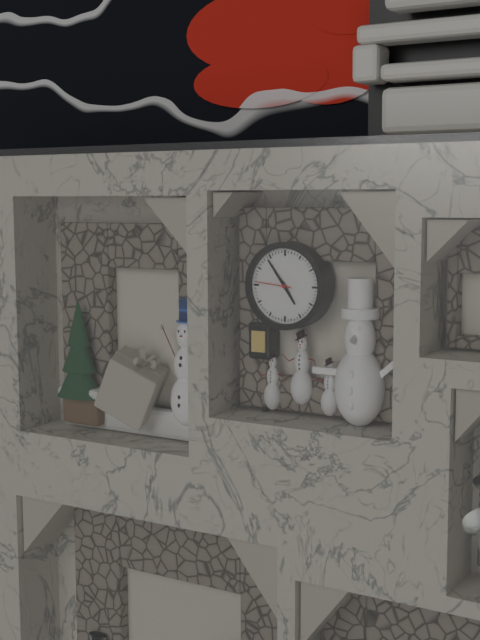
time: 4:54
